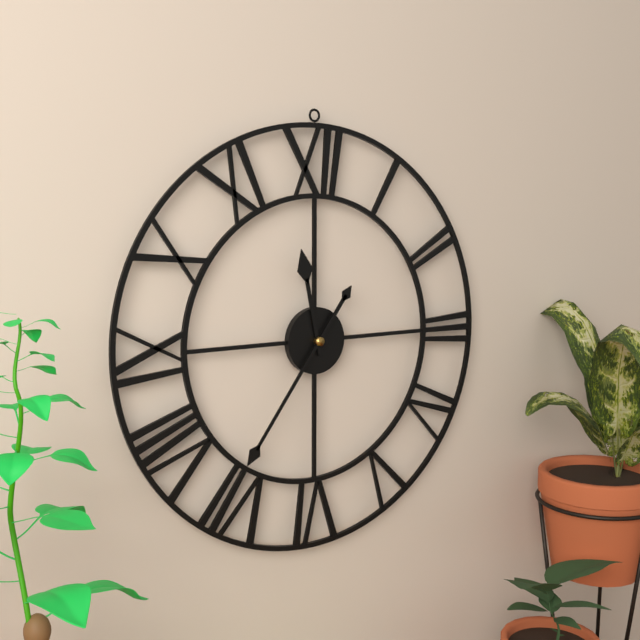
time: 11:36
